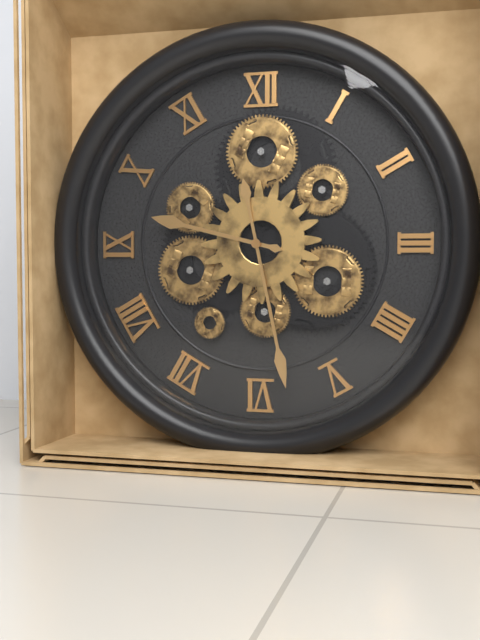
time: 9:28
